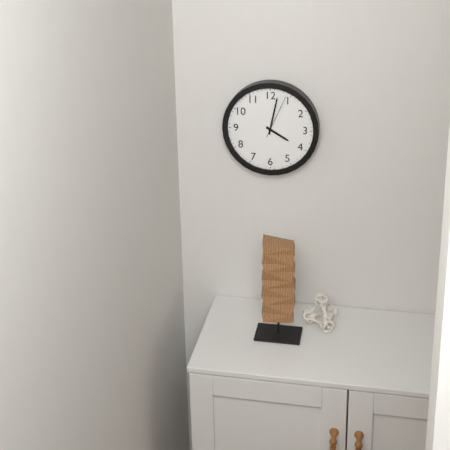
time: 4:02
